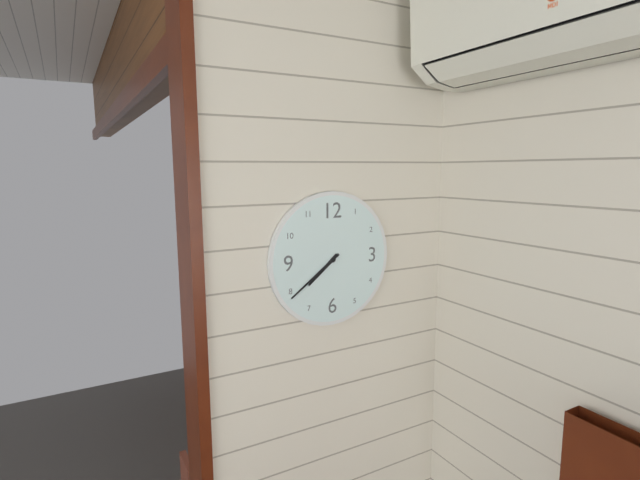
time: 7:39
